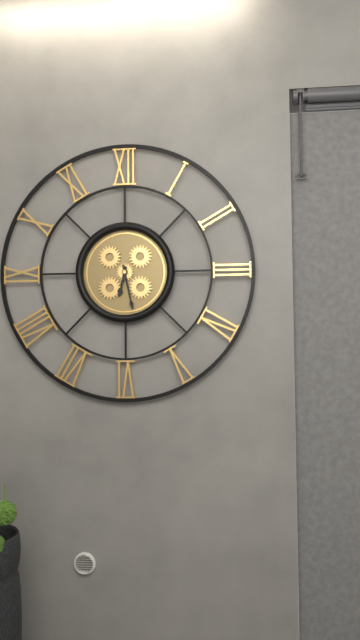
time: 6:28
